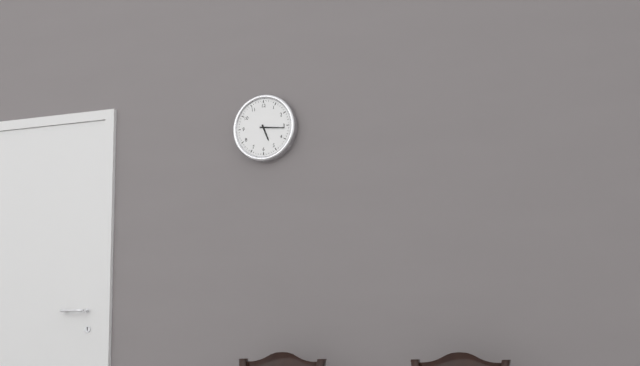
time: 5:16
